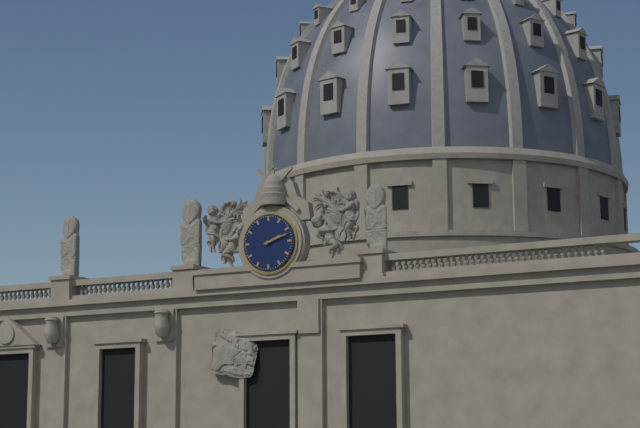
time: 2:12
